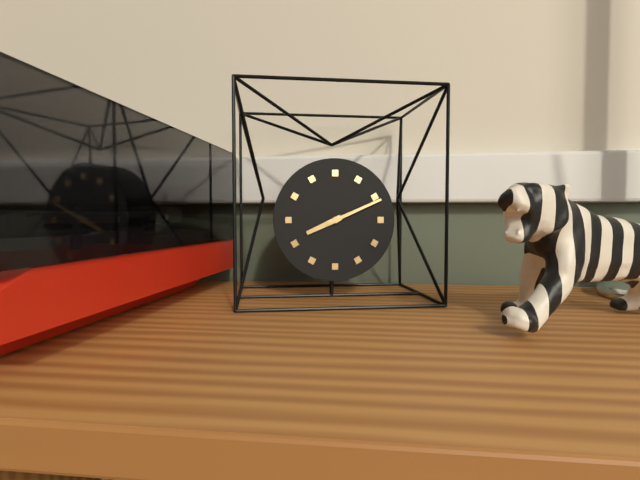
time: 8:11
